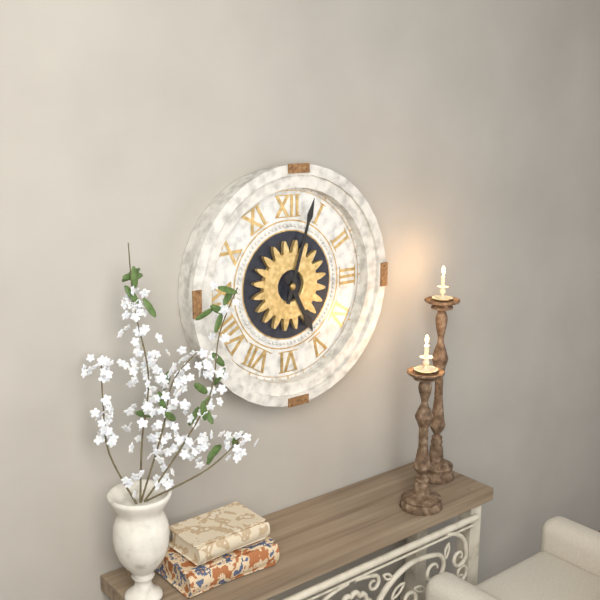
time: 5:03
